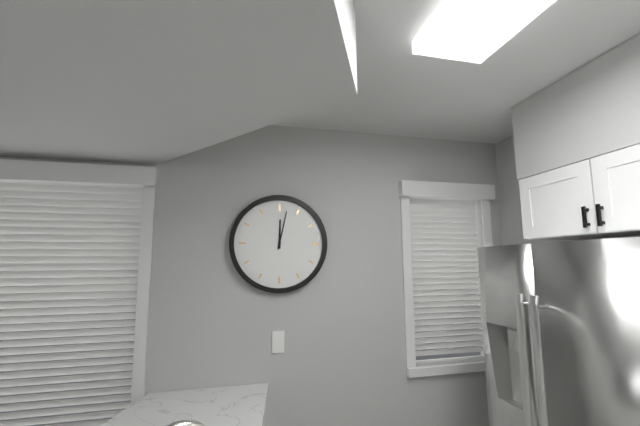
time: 12:02
